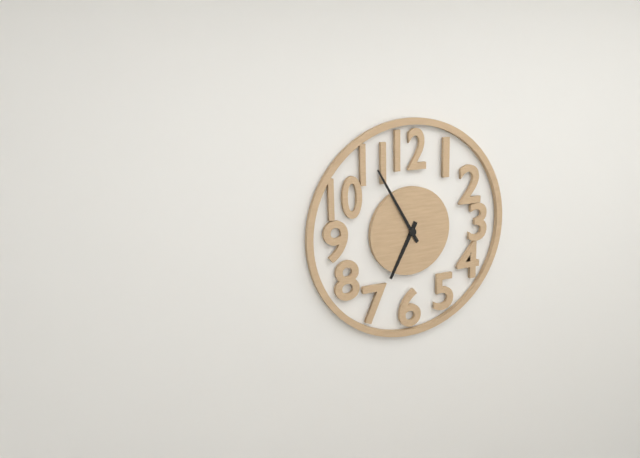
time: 6:55
